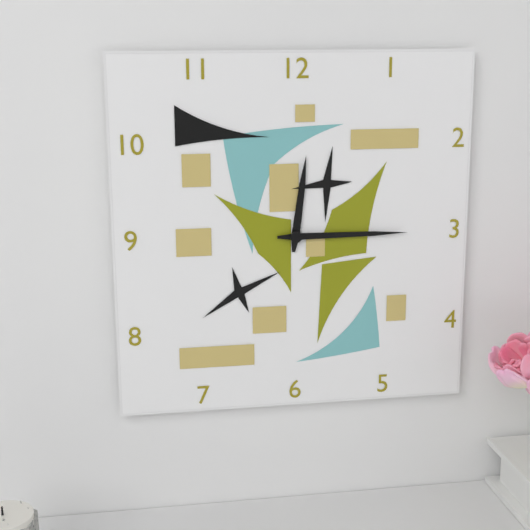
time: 12:15
